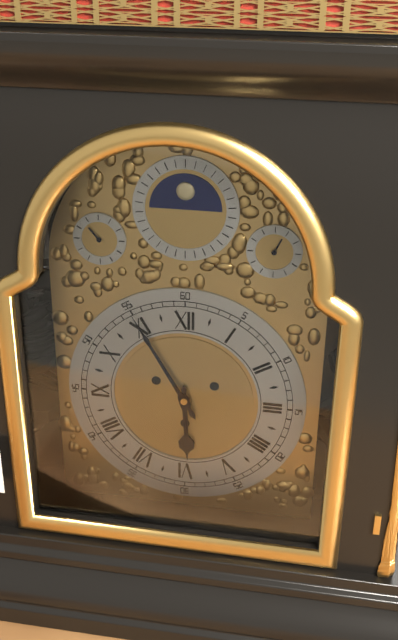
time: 5:55
